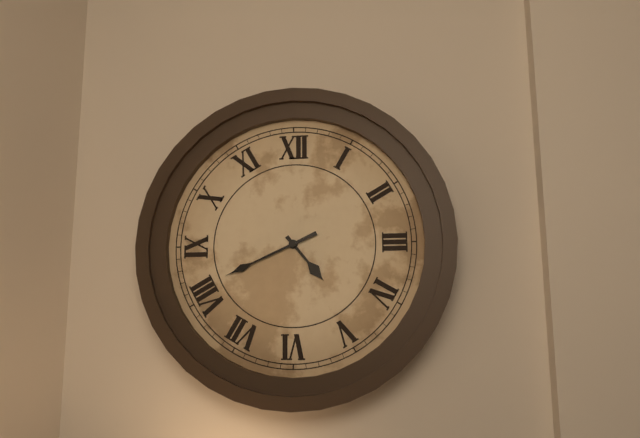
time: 4:41
